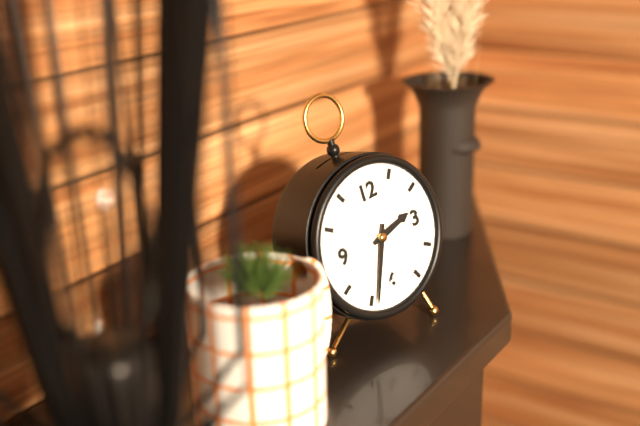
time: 2:34
